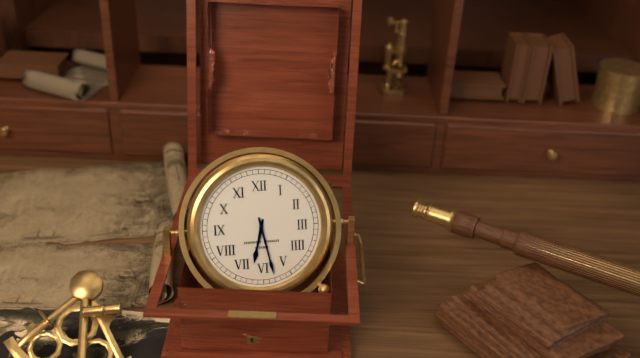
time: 6:28
